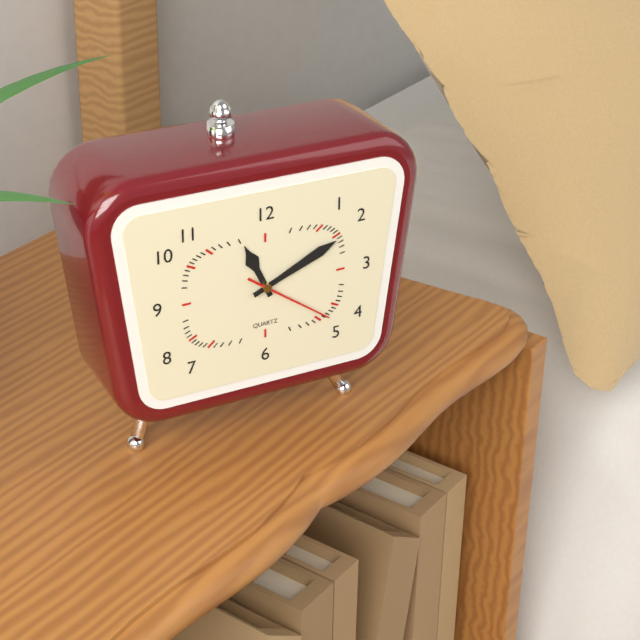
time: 11:11:21
